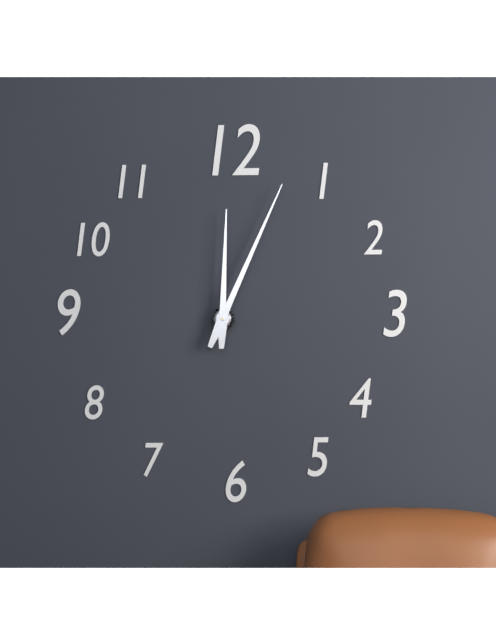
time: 12:04
